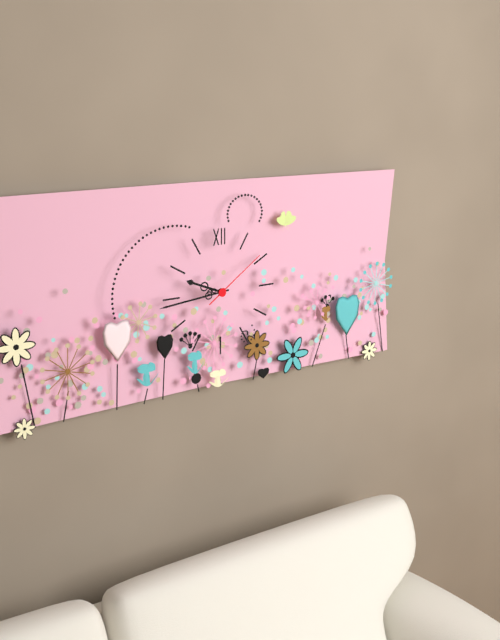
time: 9:44:09
